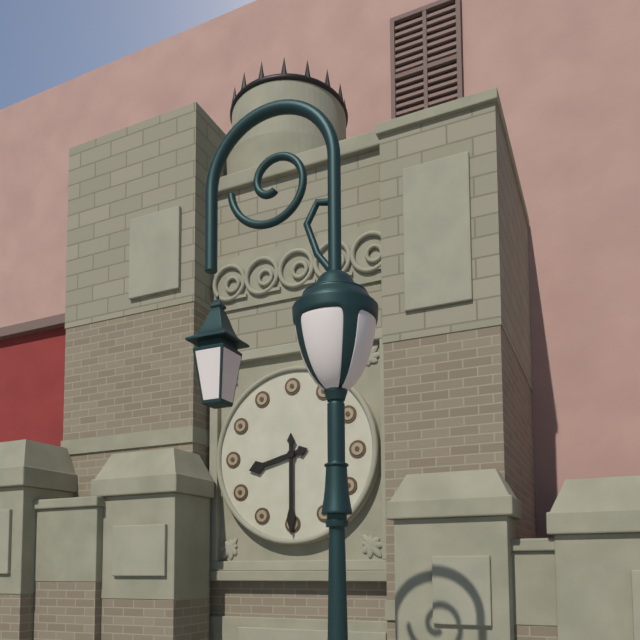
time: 8:30
